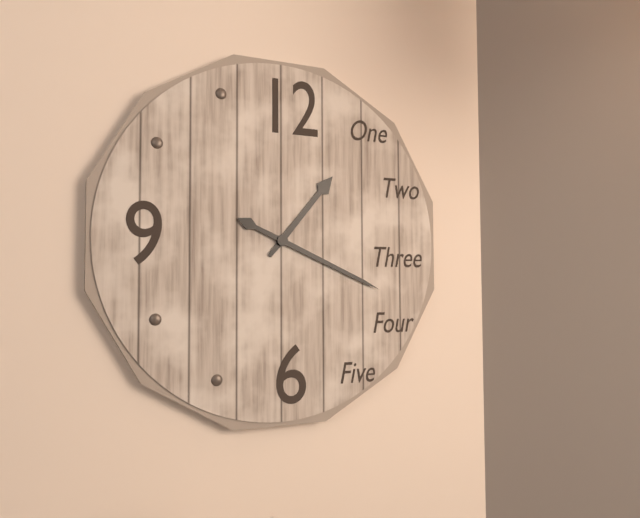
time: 1:19
